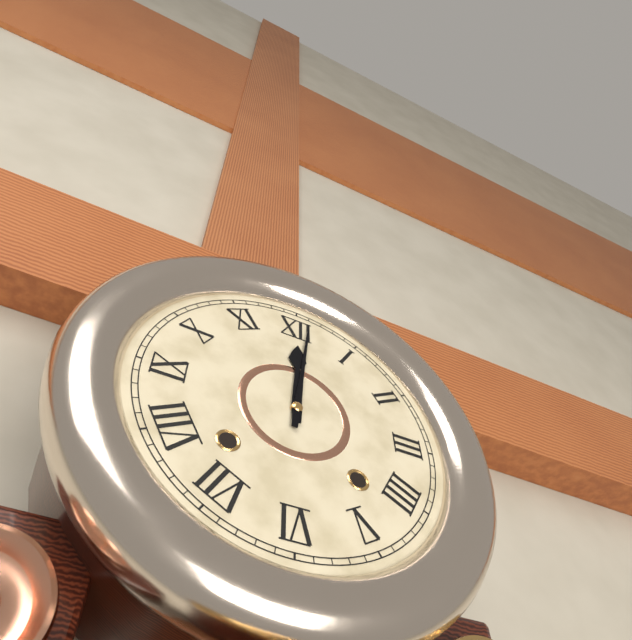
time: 12:01
